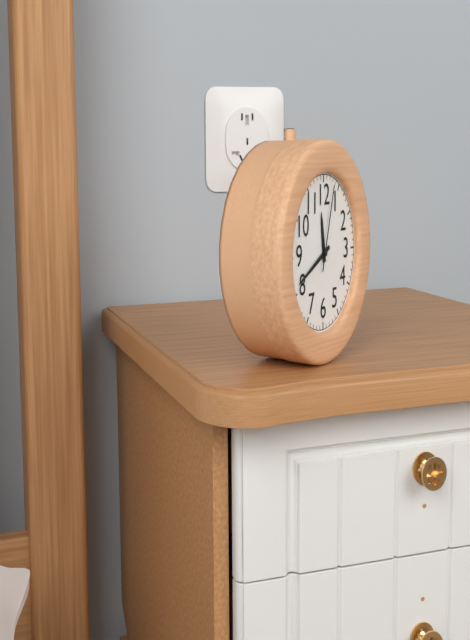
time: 11:41:03
